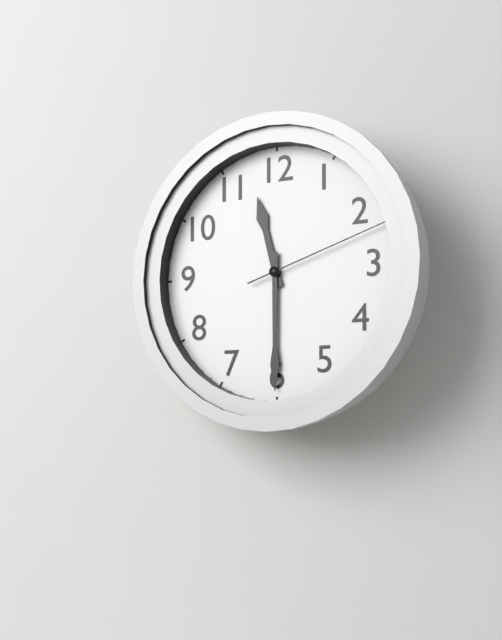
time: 11:30:12
